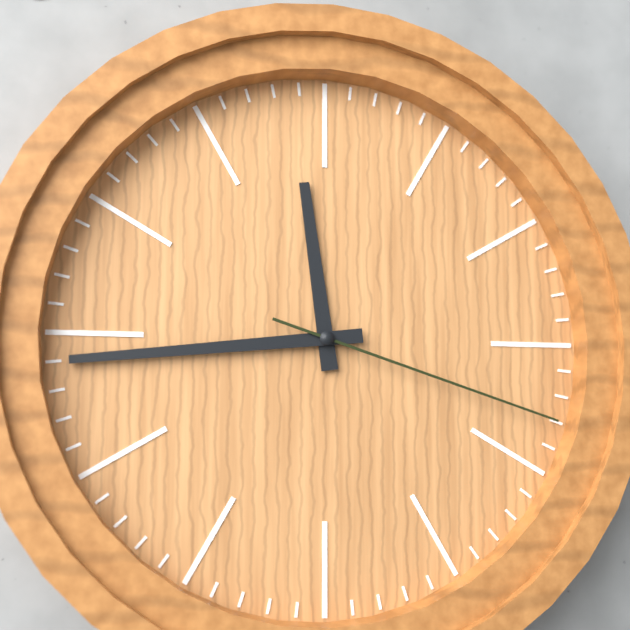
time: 11:44:18
